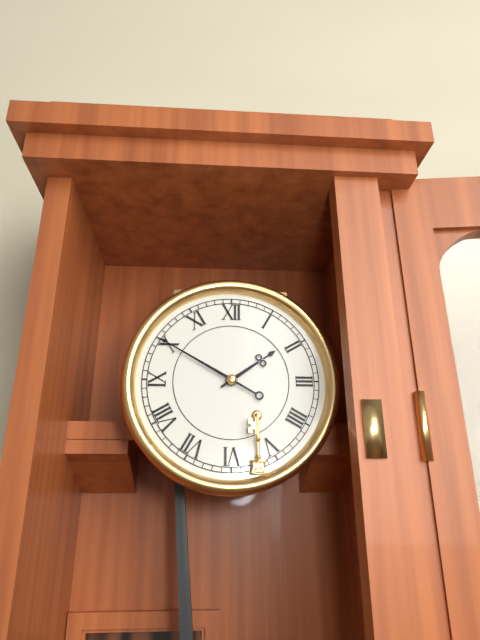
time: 1:50
